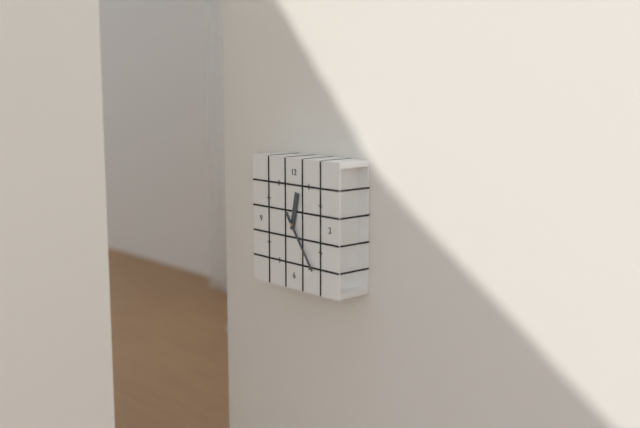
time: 12:24
